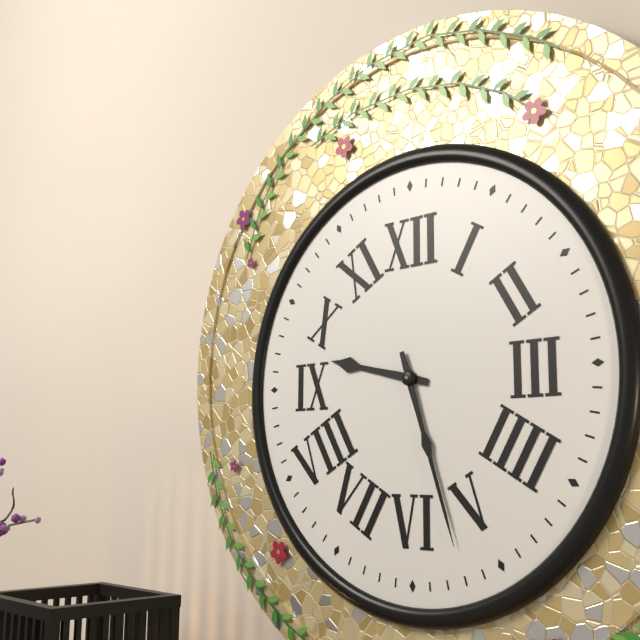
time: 9:27
